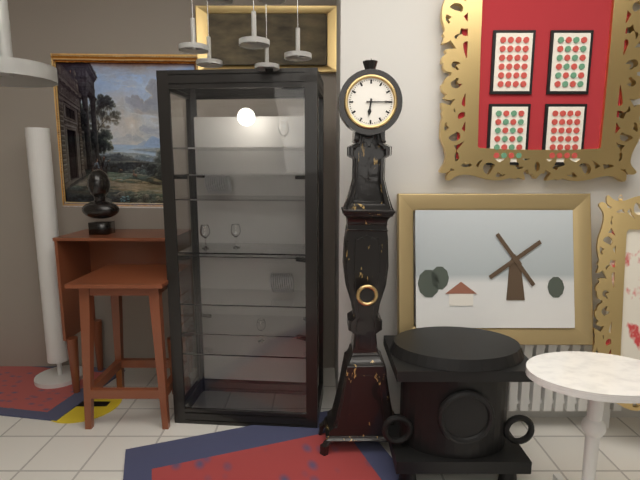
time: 6:15
